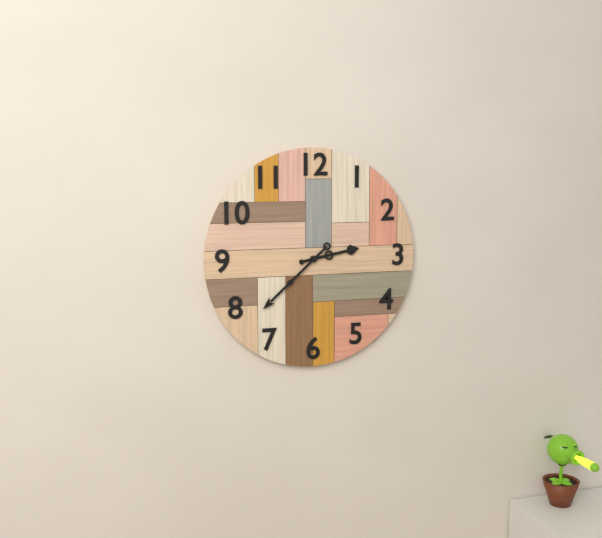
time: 2:38
